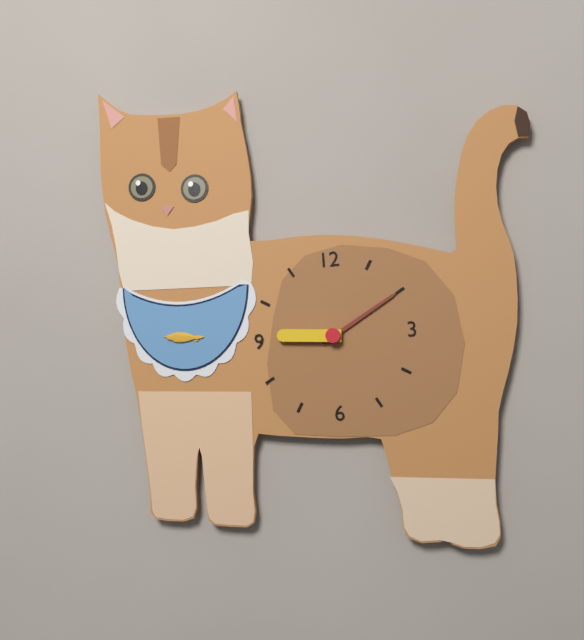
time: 9:10
